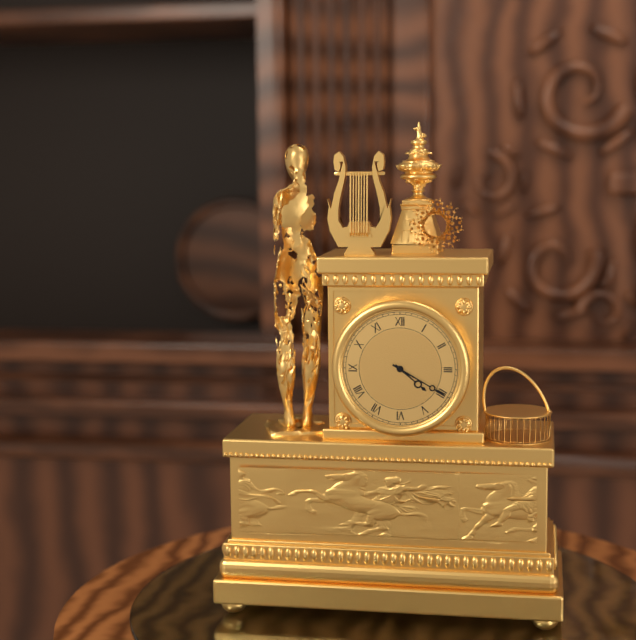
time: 4:20
